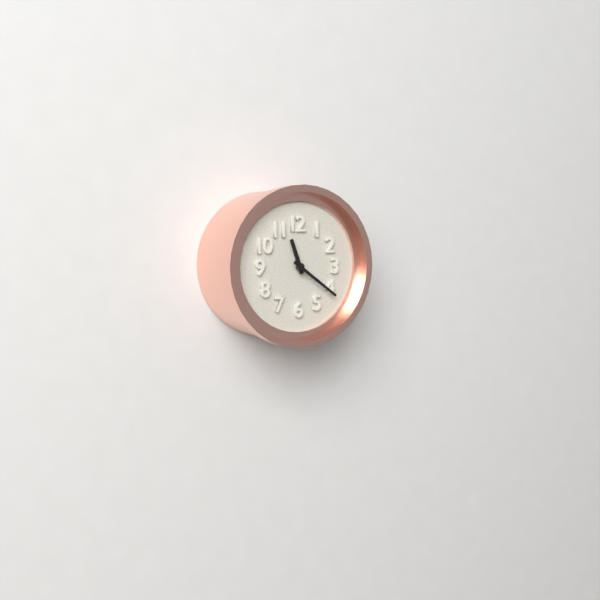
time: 11:21
